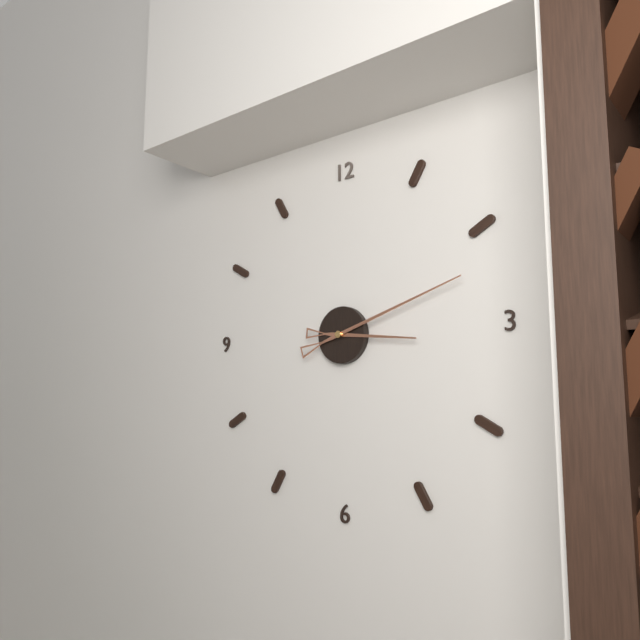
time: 3:12
